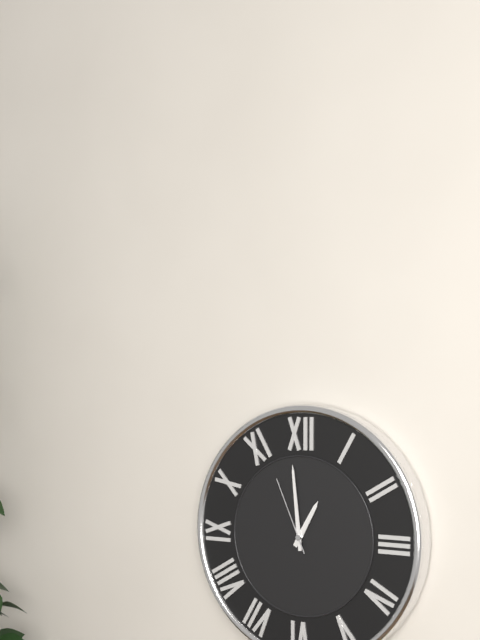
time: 12:59:56
